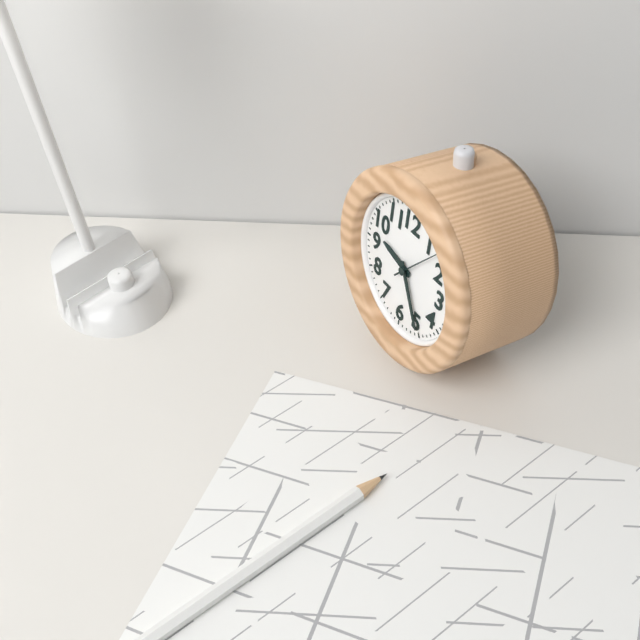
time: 9:25
